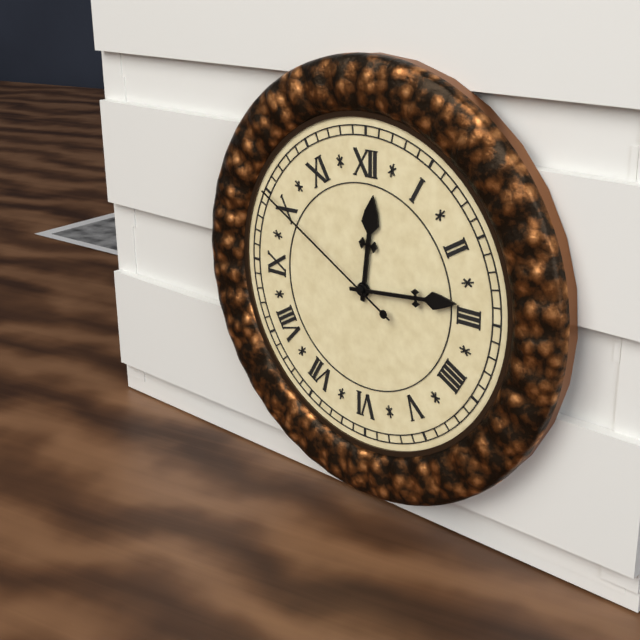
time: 12:14:50
